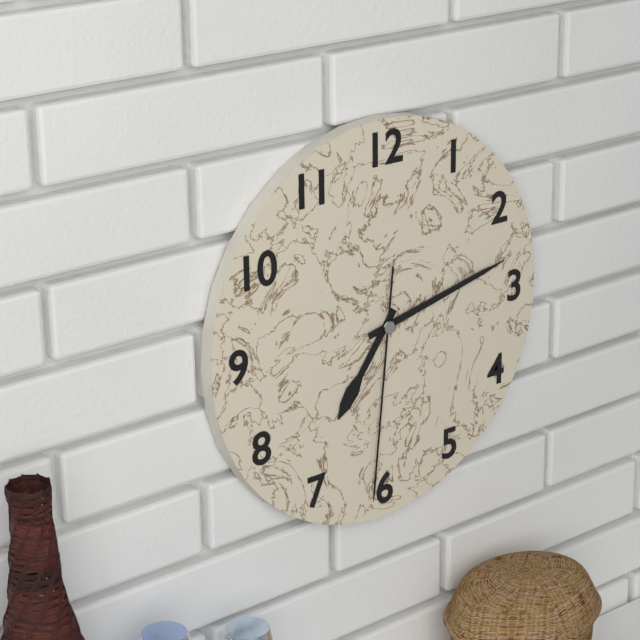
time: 7:13:31
